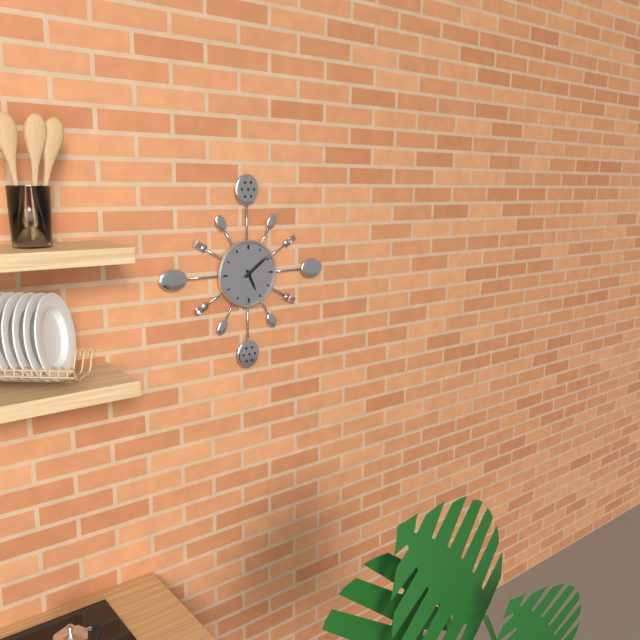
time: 5:09
